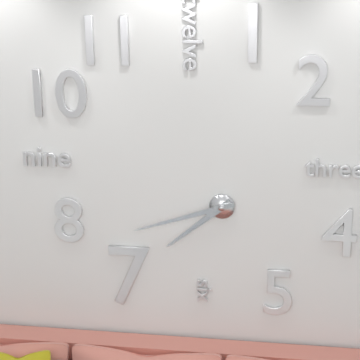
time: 7:42
